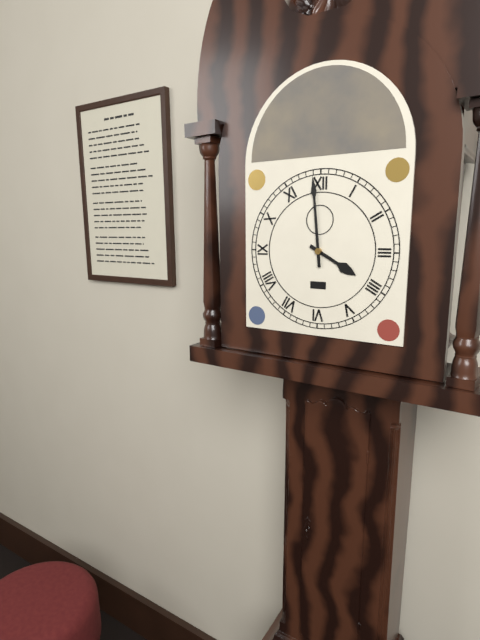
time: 3:59
